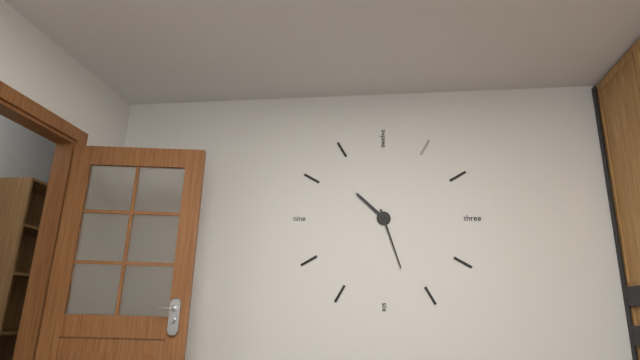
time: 10:27
